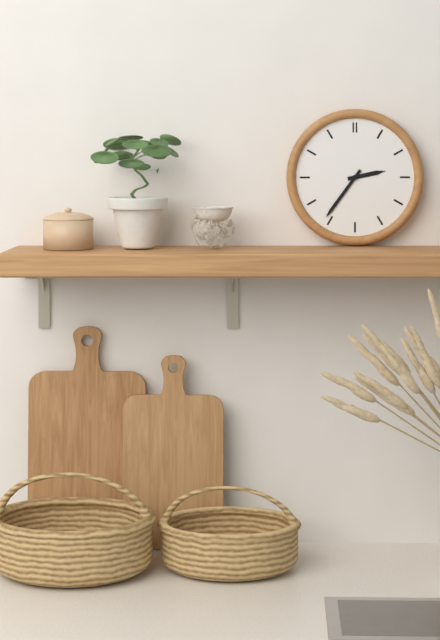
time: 2:36
